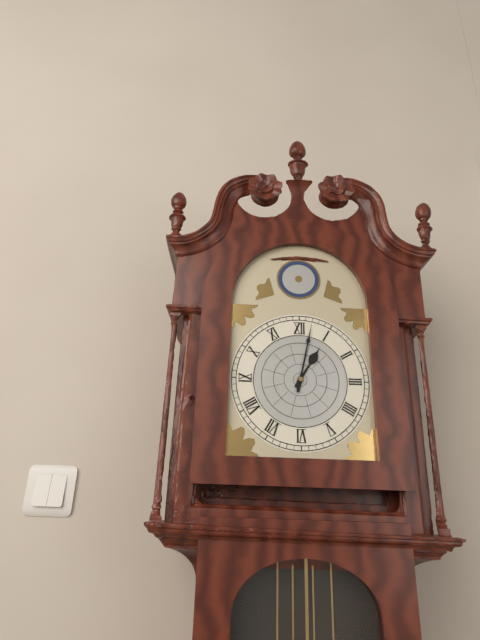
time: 1:02
